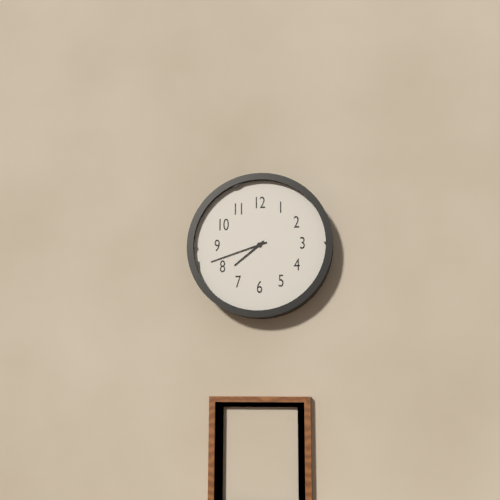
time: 7:42
